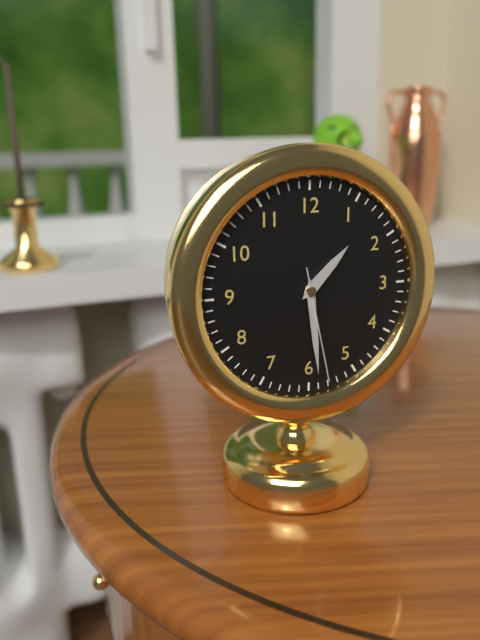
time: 1:29:28
